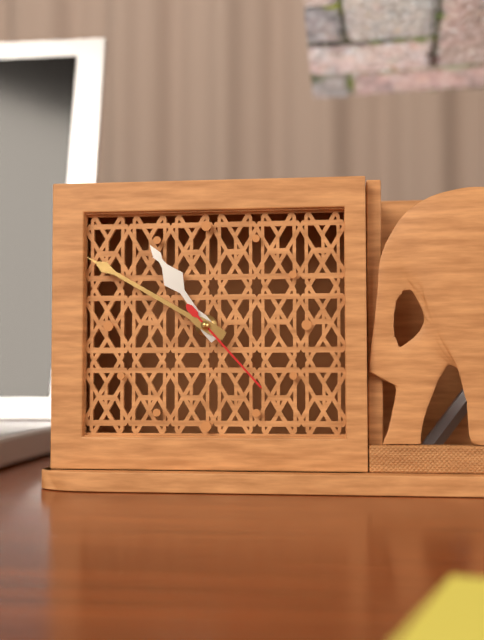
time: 10:50:23
